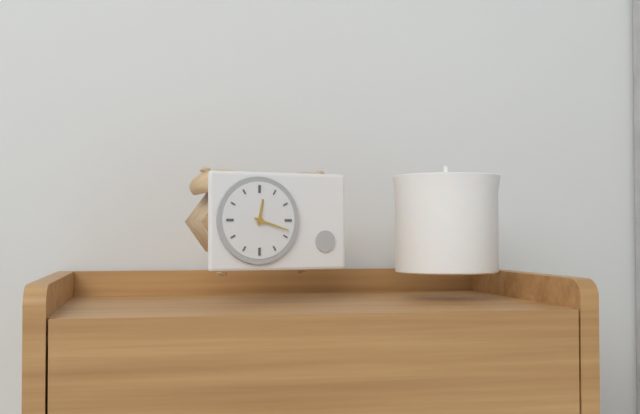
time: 12:18
